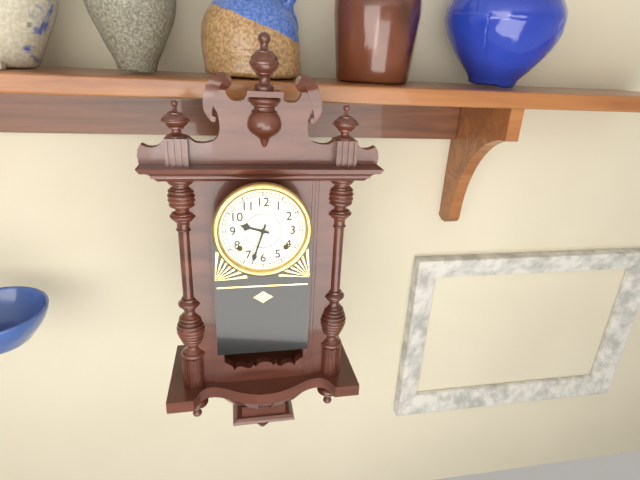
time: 9:33
